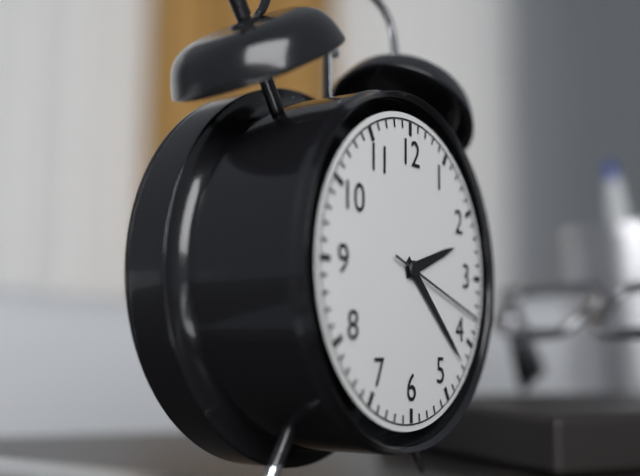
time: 2:22:18
